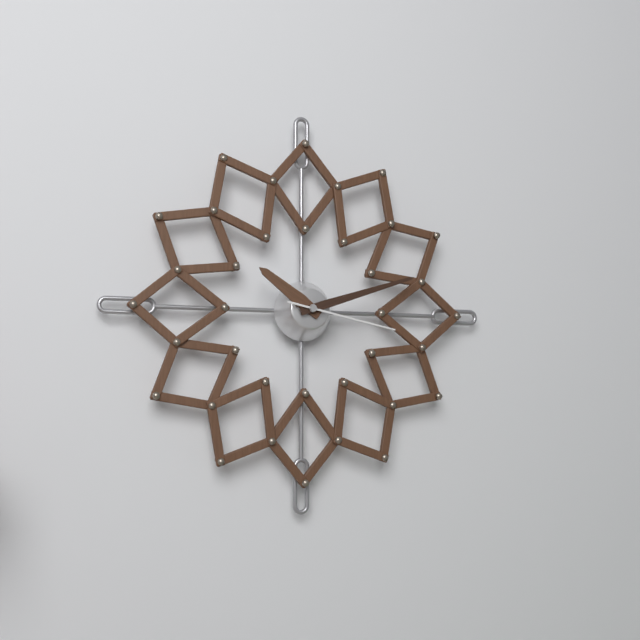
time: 10:12:17
